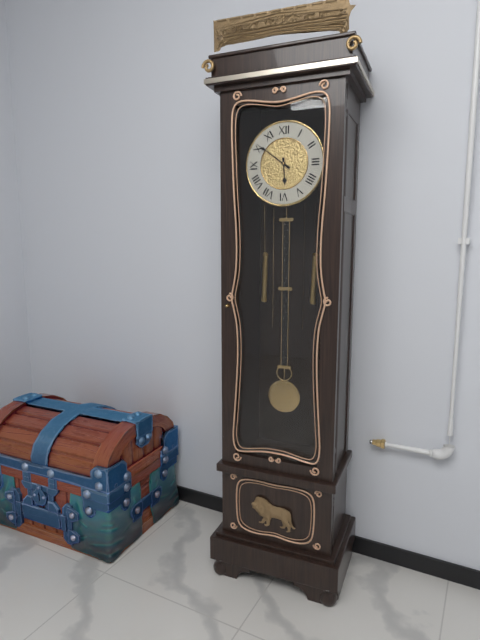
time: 5:51
